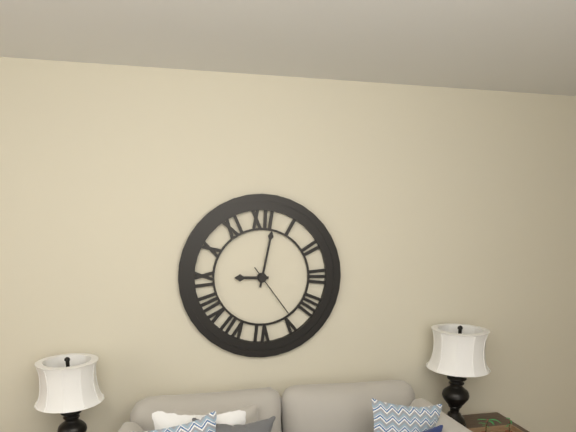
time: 9:02:24
